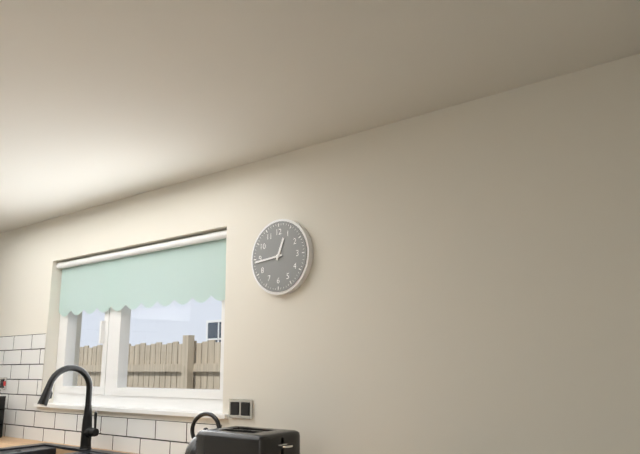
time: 12:44
